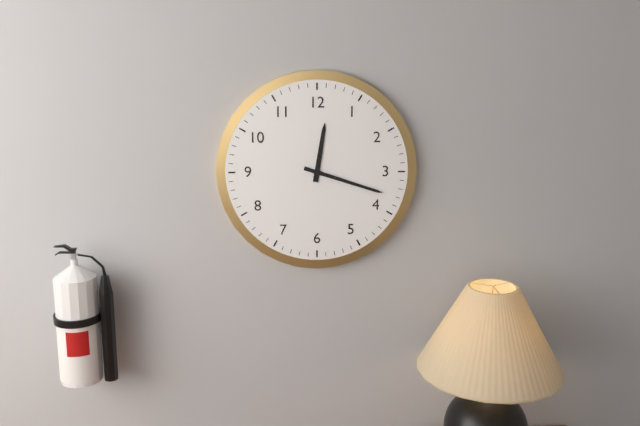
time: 12:18
